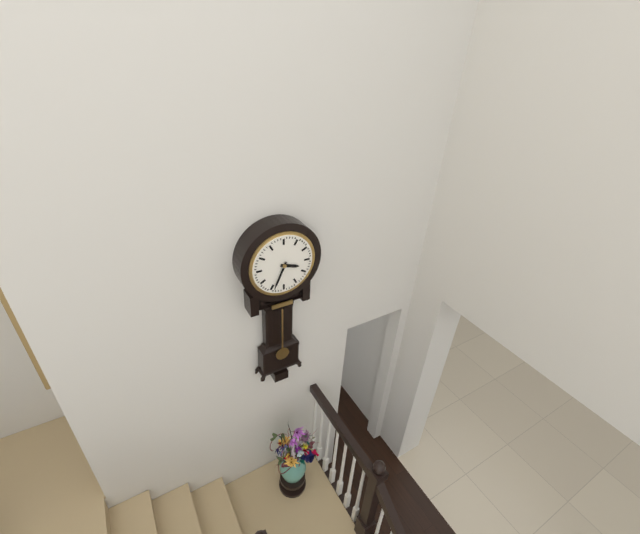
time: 3:34
